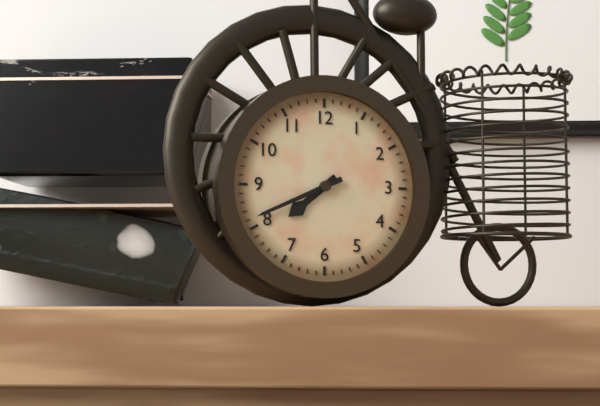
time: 7:41
